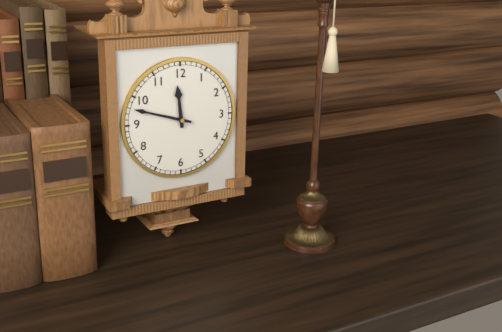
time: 11:48
